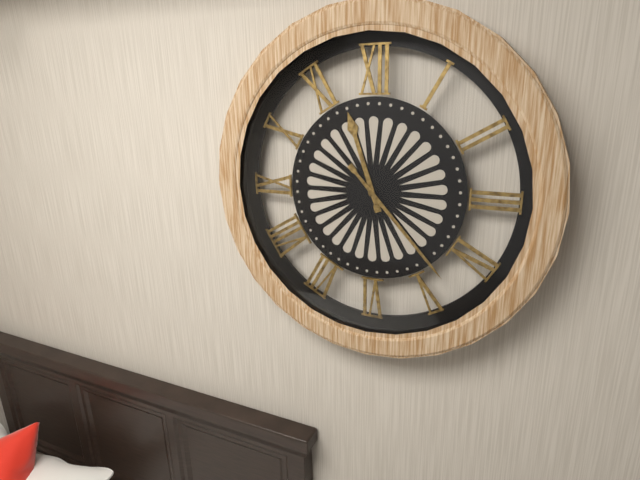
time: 11:23
